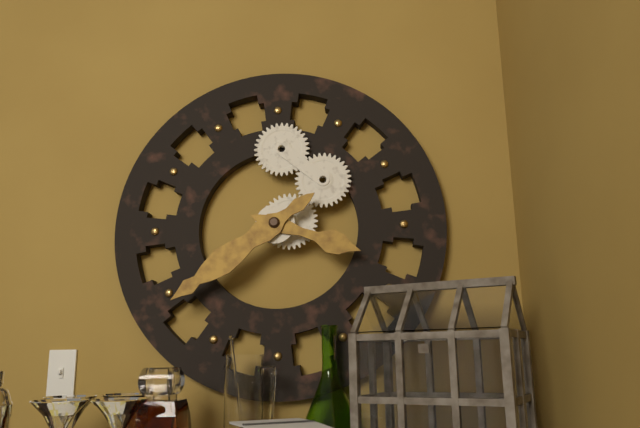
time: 3:39
